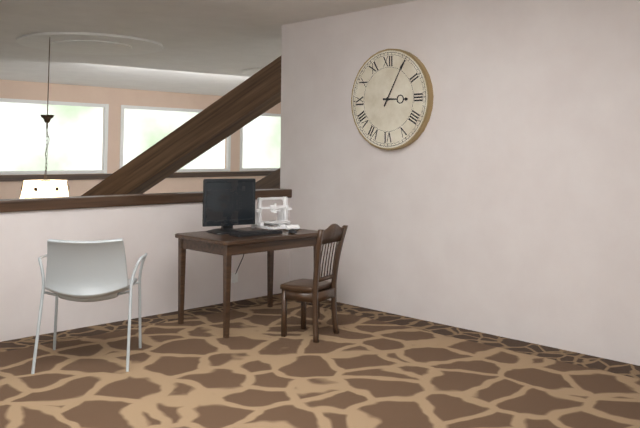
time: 3:05
